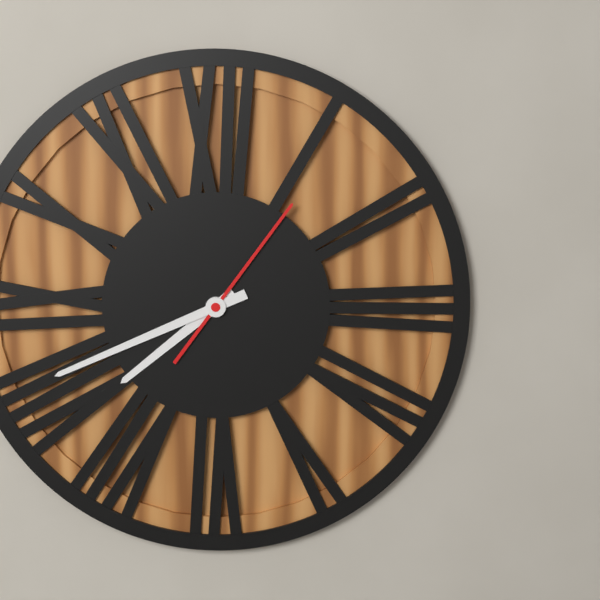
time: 7:41:06
